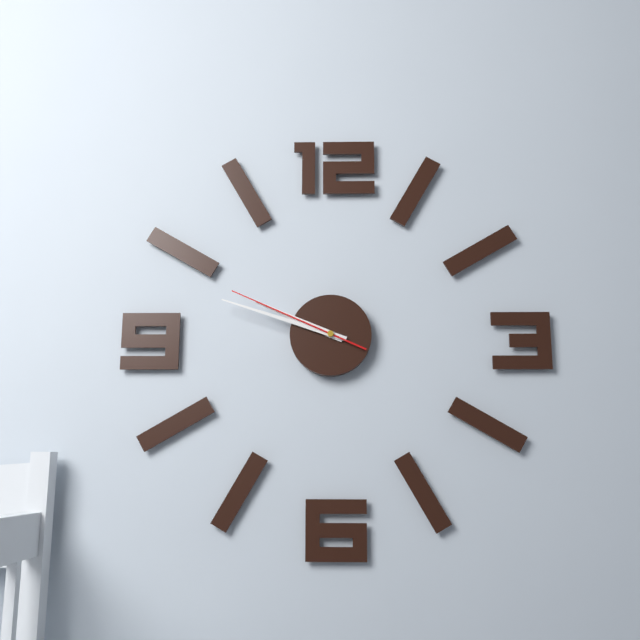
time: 9:48:49
